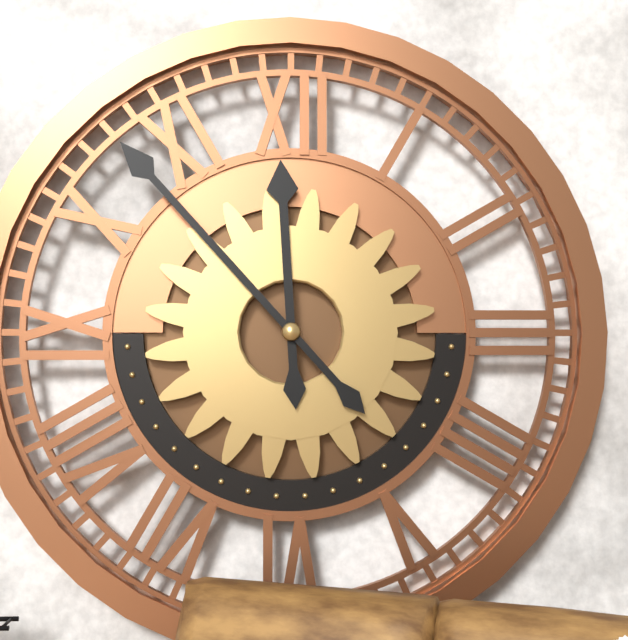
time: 11:53
